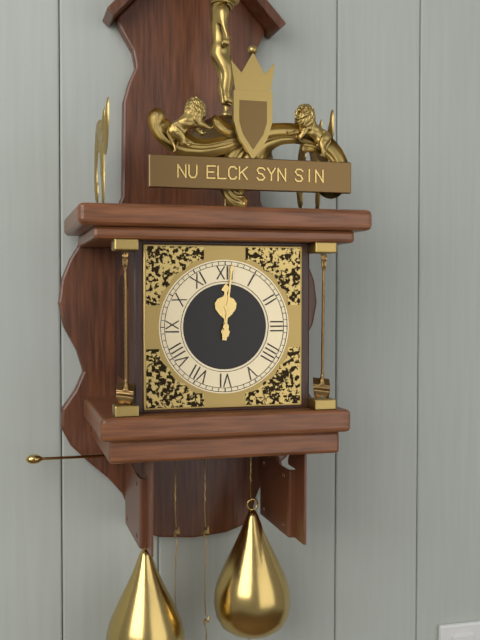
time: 12:01
